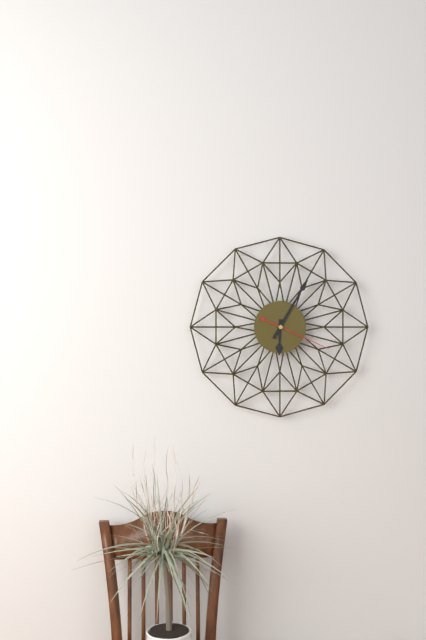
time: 6:05:19
